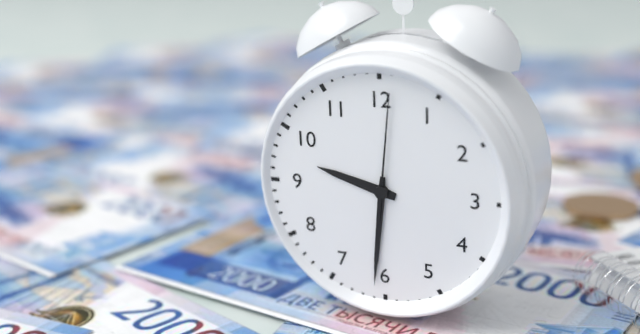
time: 9:31:01
